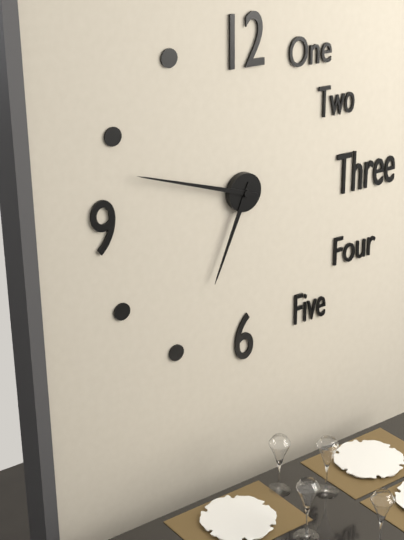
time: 6:48
